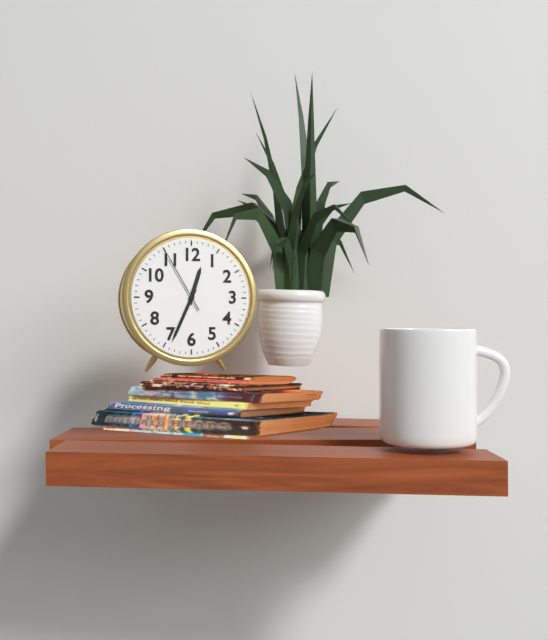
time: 12:34:55
